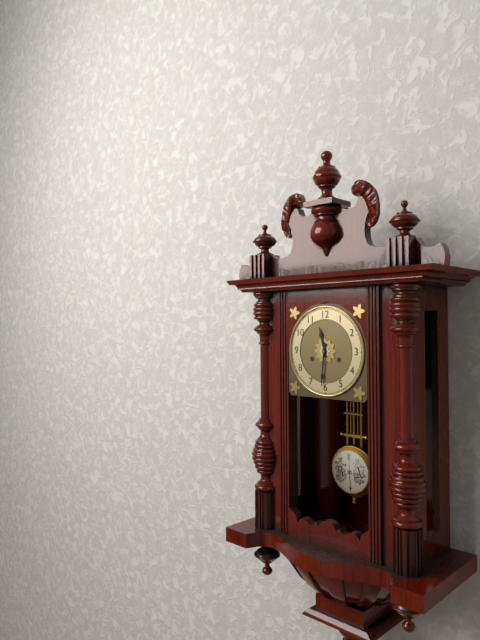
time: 11:31
